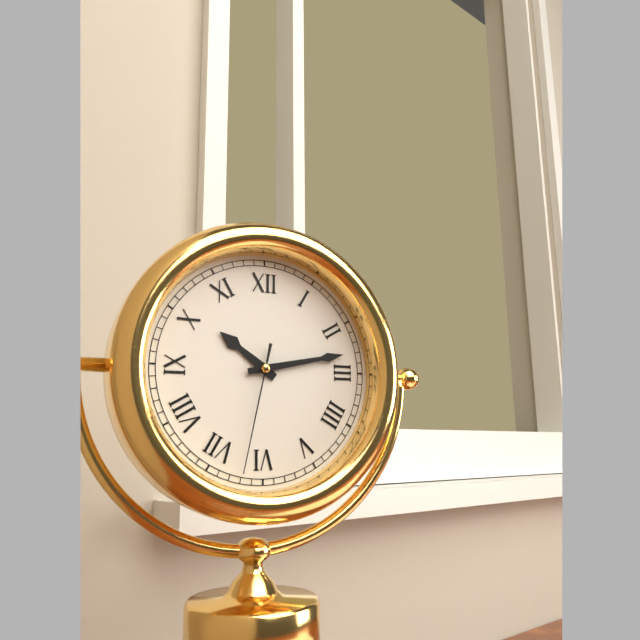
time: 10:13:32
